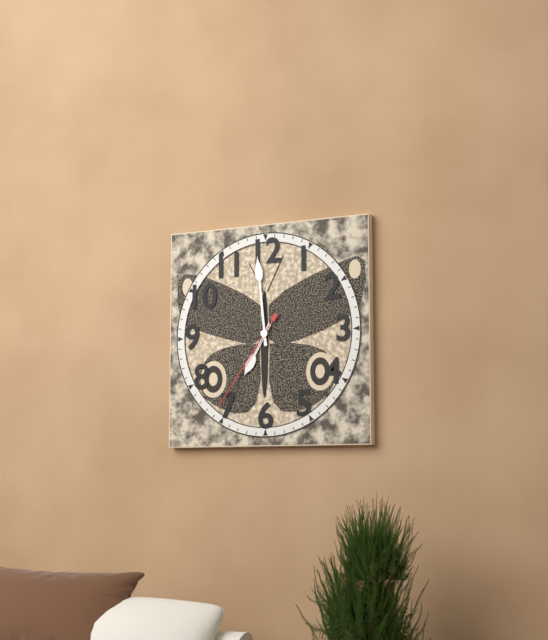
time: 6:59:36
